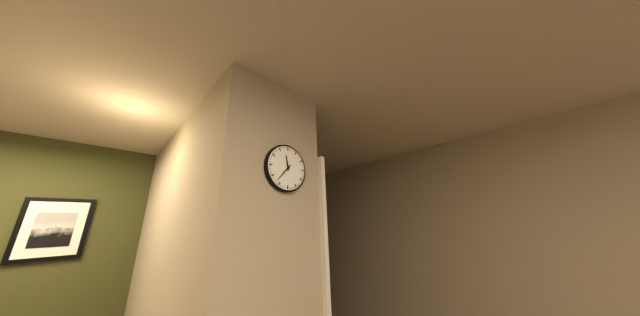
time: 11:37
